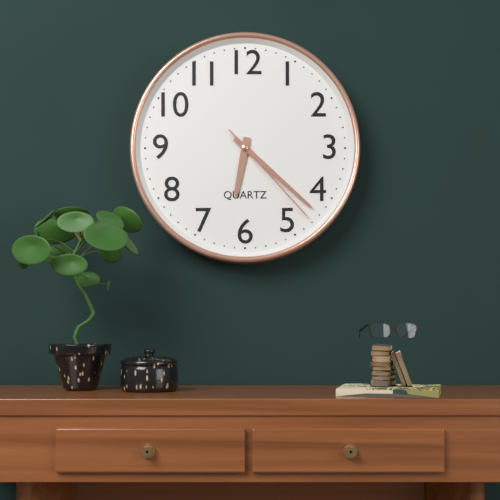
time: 6:22:23
